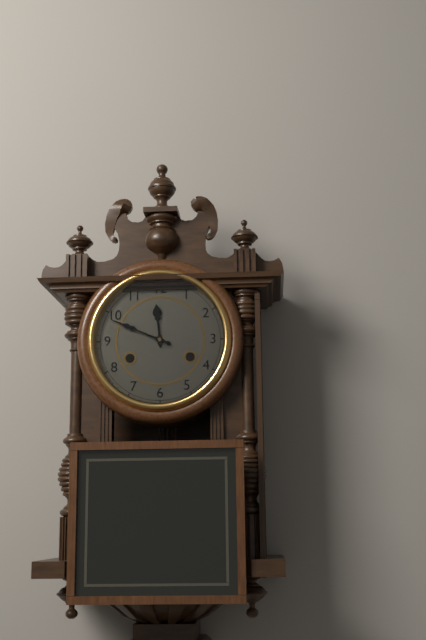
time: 11:49
